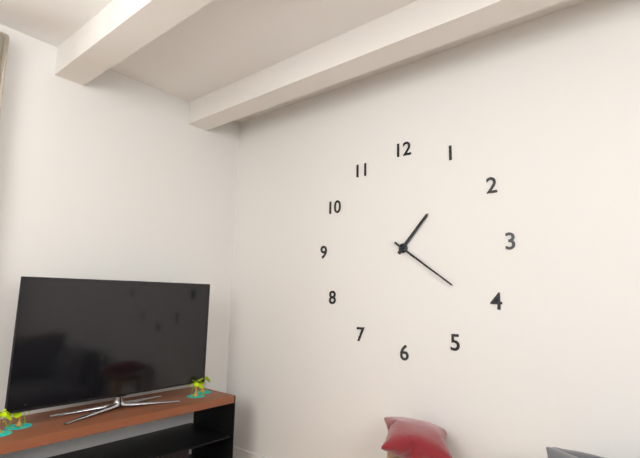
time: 1:21
